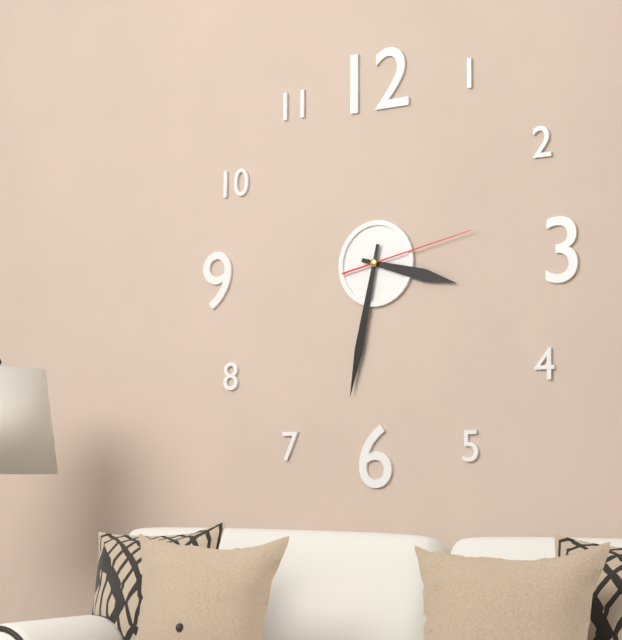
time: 3:32:13
